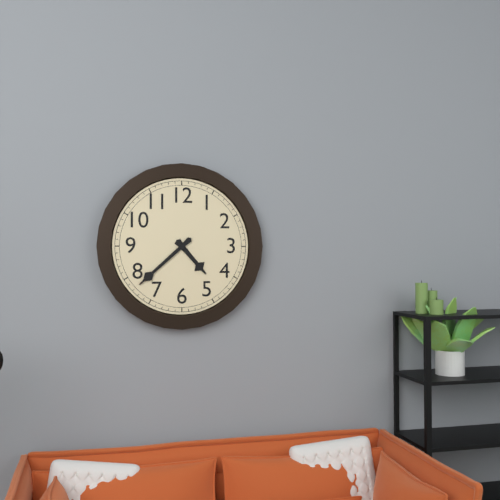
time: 4:38
